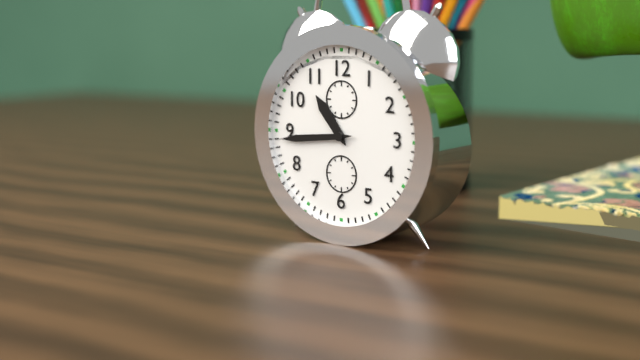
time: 10:44
